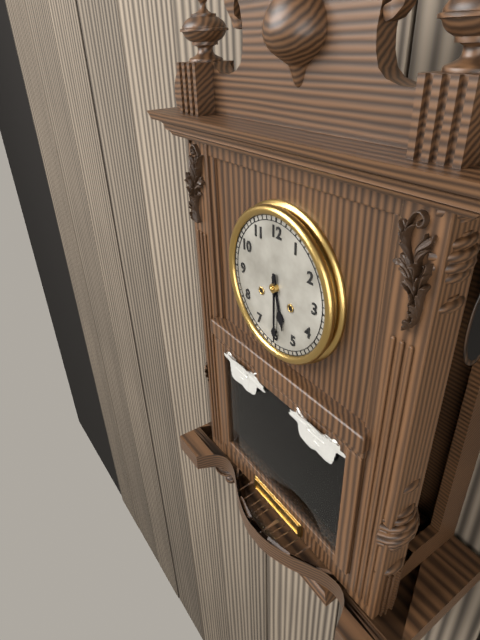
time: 5:30
